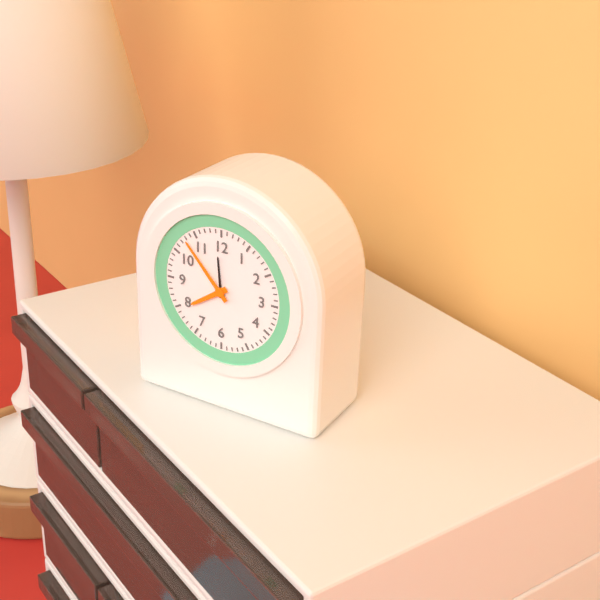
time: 7:53
